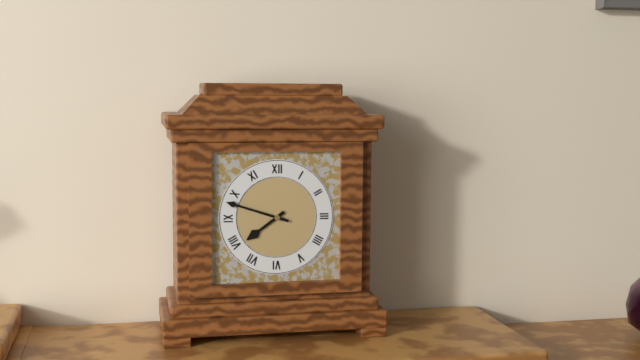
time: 7:48
